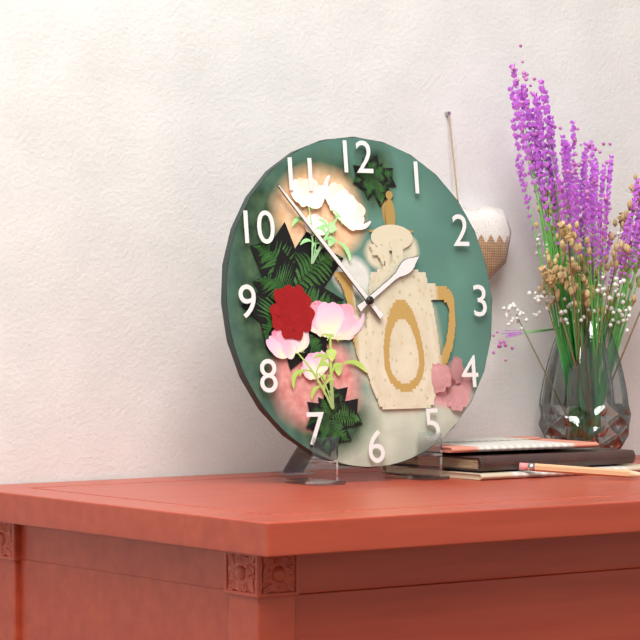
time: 1:53
